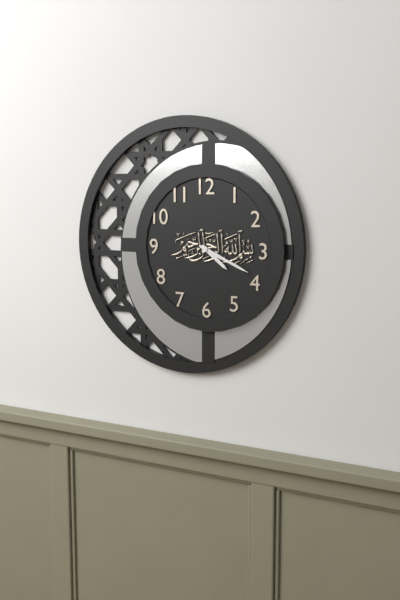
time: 4:19
